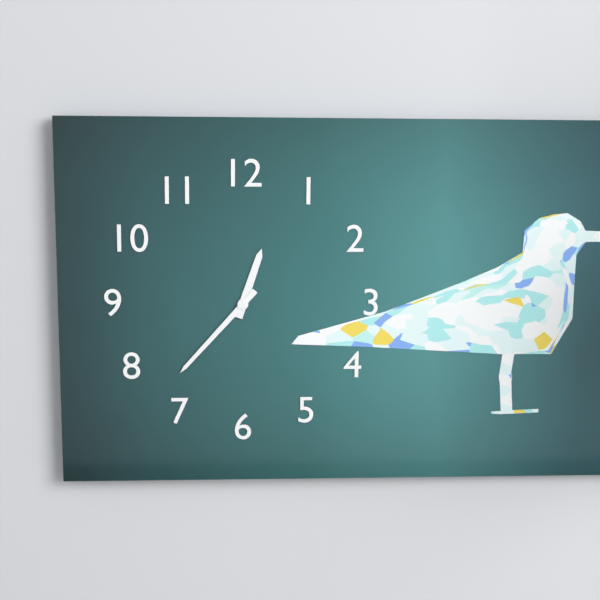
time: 12:37
